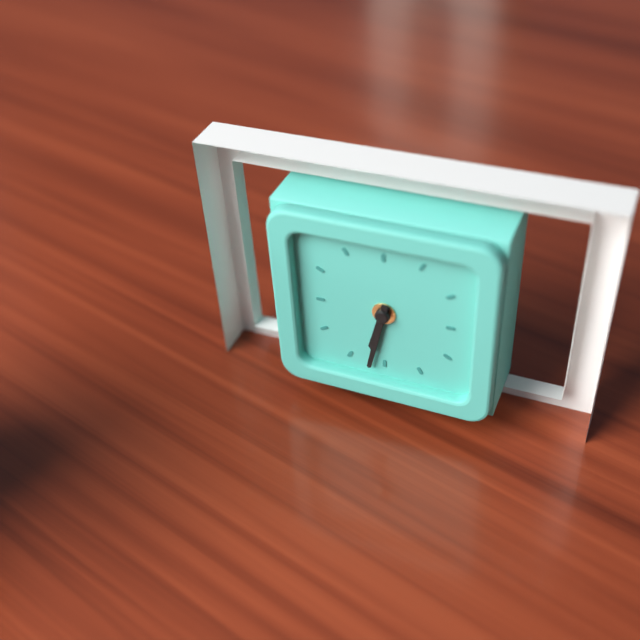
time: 6:32
